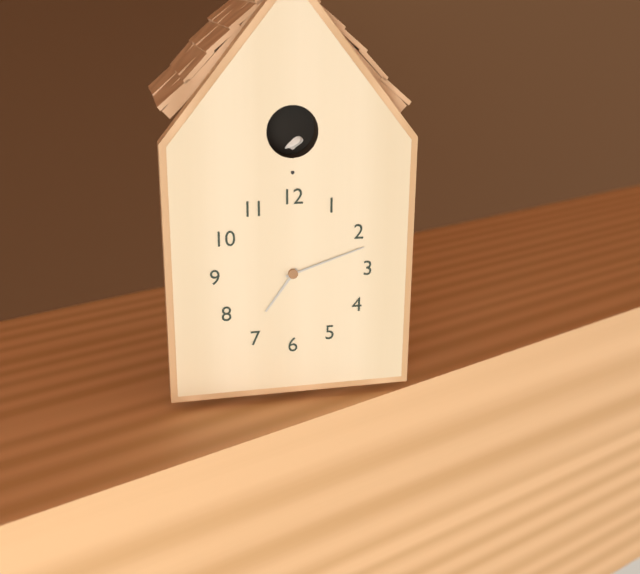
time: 7:12
